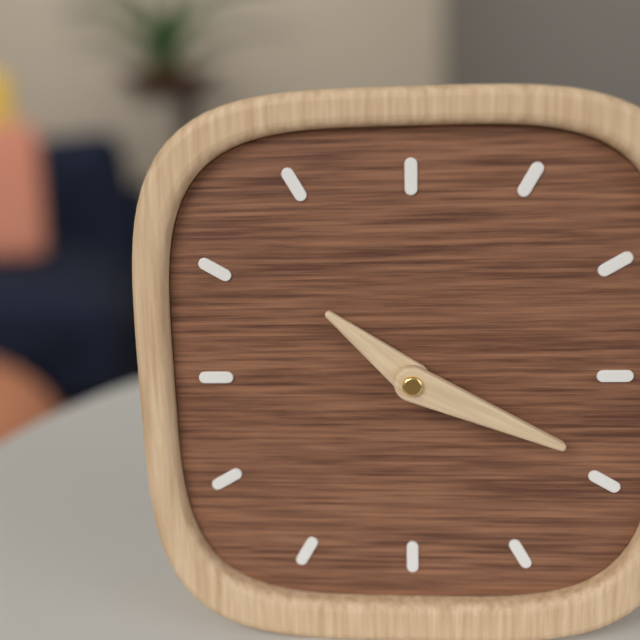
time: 10:19
